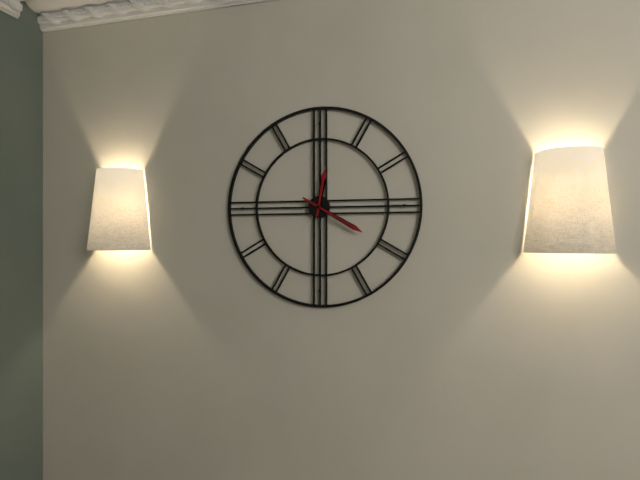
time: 12:20
